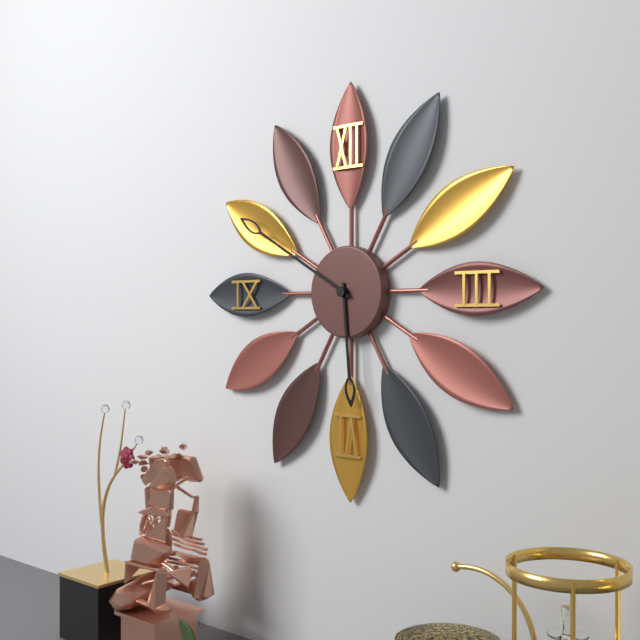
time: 5:50
